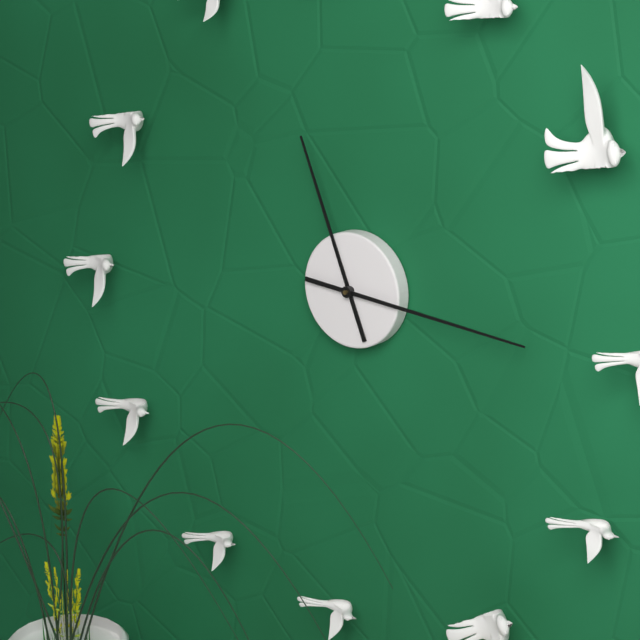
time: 11:16
